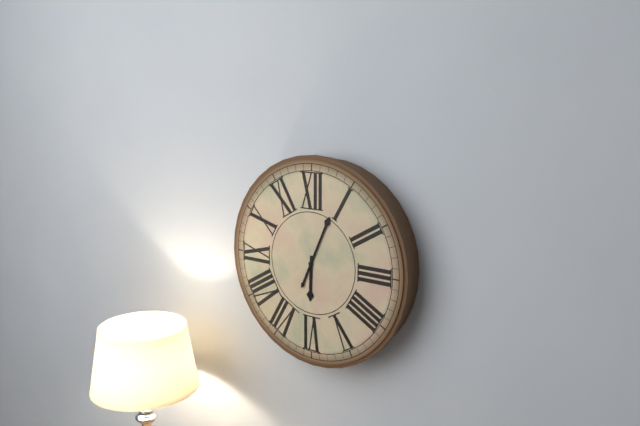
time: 6:04
